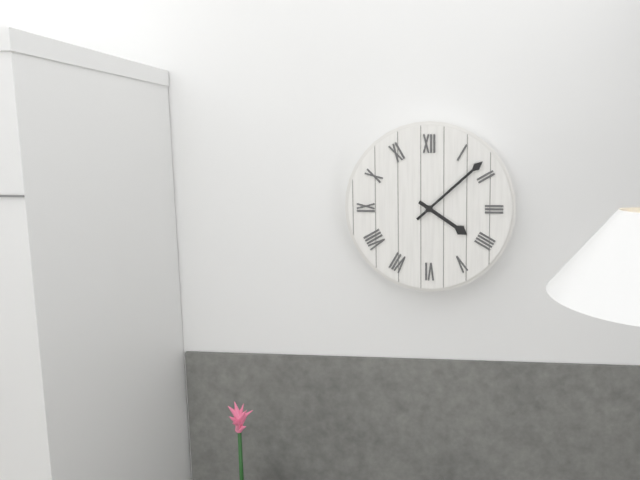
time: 4:08
